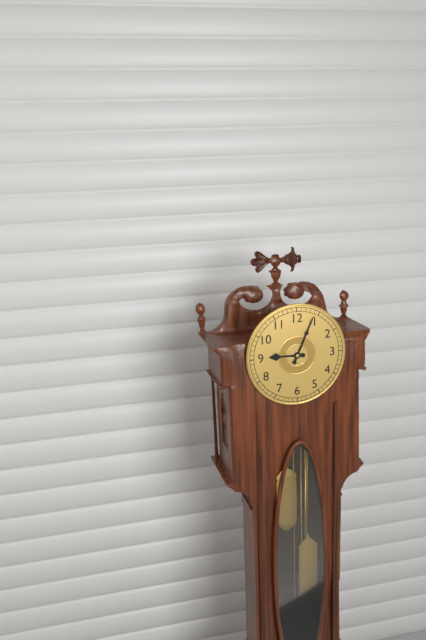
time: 9:04
